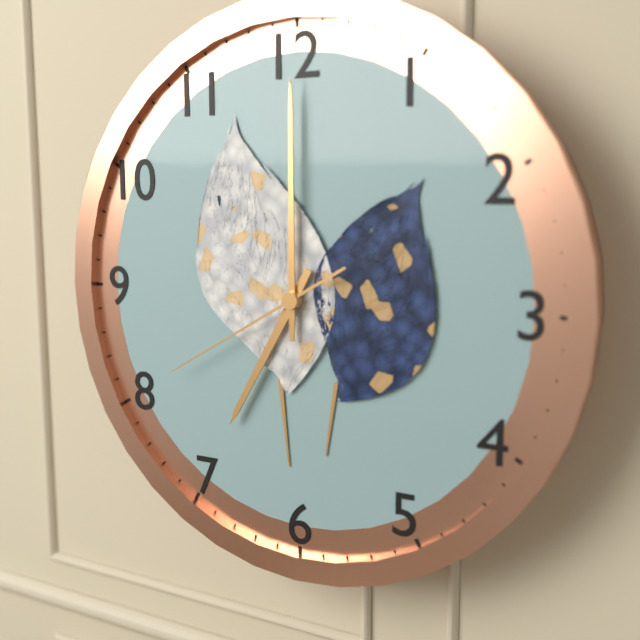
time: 7:00:40
